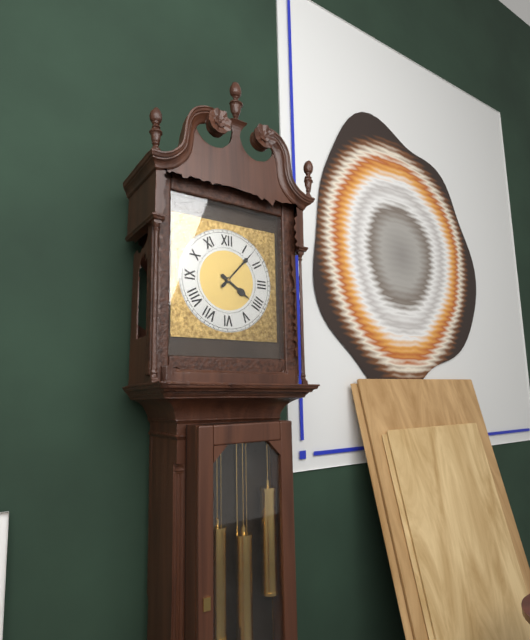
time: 4:07
